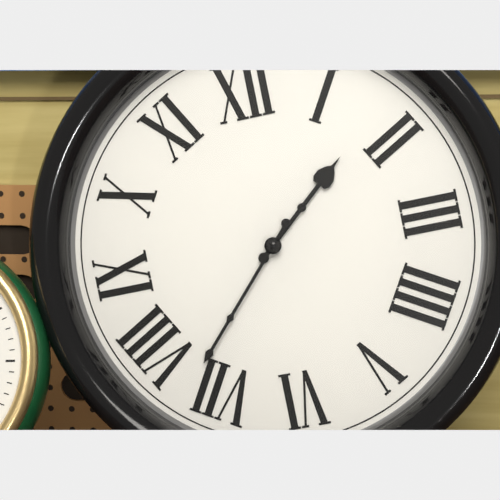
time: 1:37
